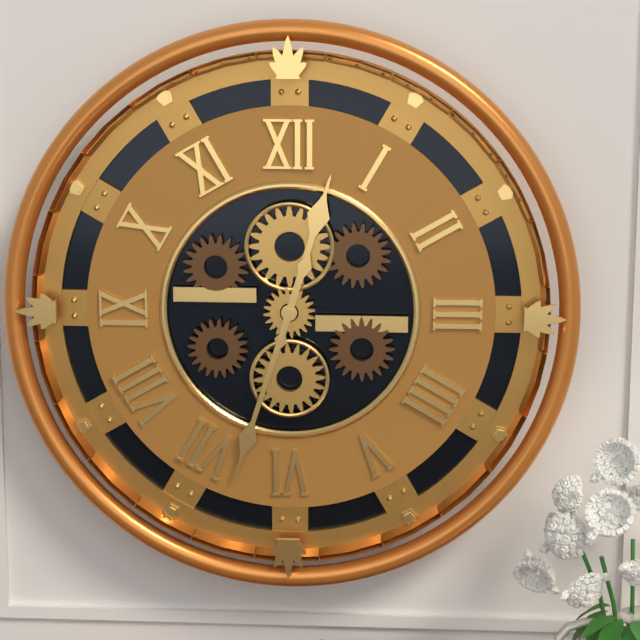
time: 12:33
